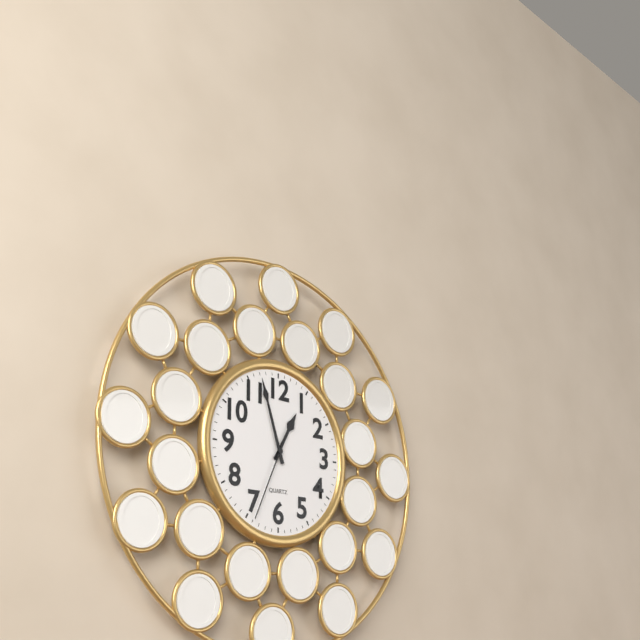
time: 12:57:34
